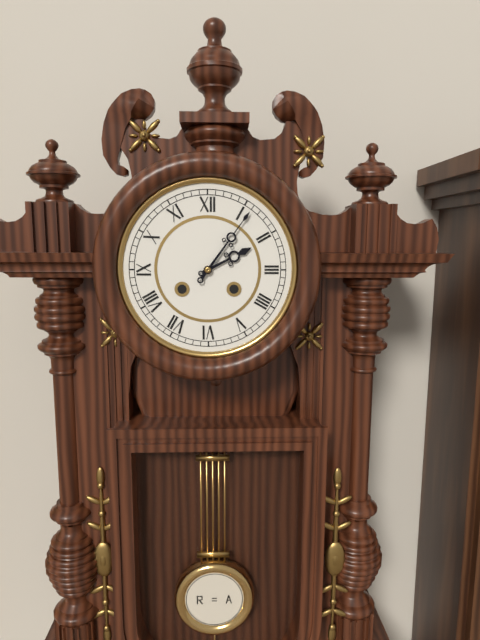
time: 2:06
